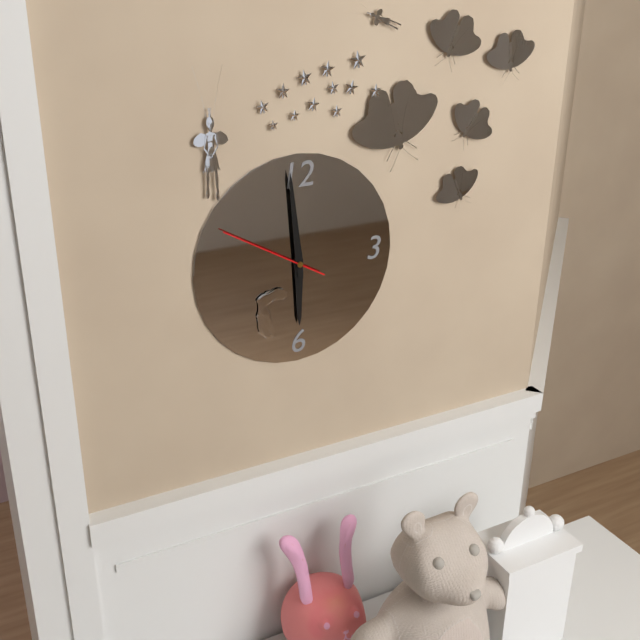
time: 5:59:50
